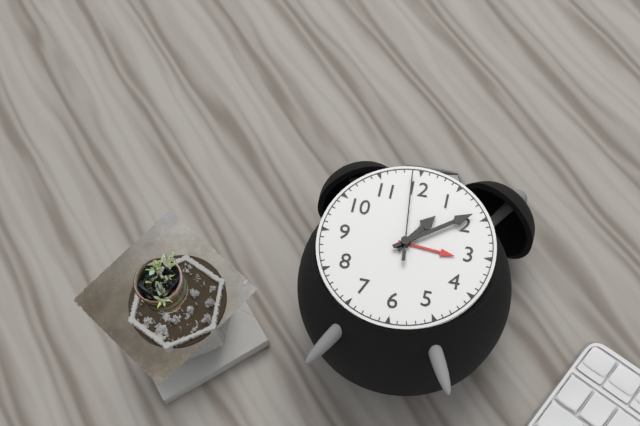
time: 1:09:59
